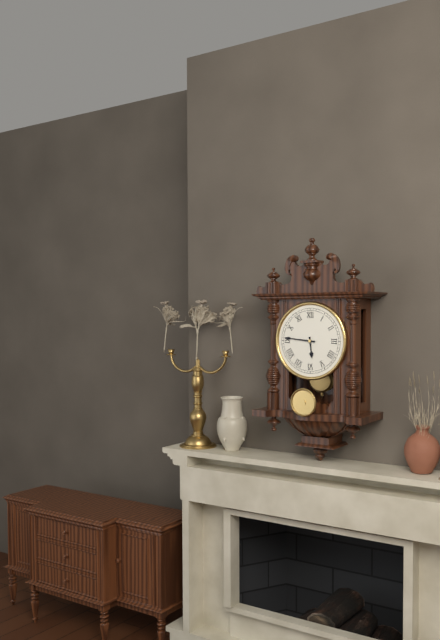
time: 5:46
